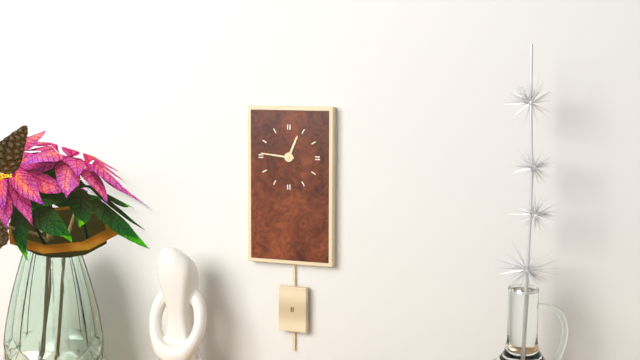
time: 12:46
